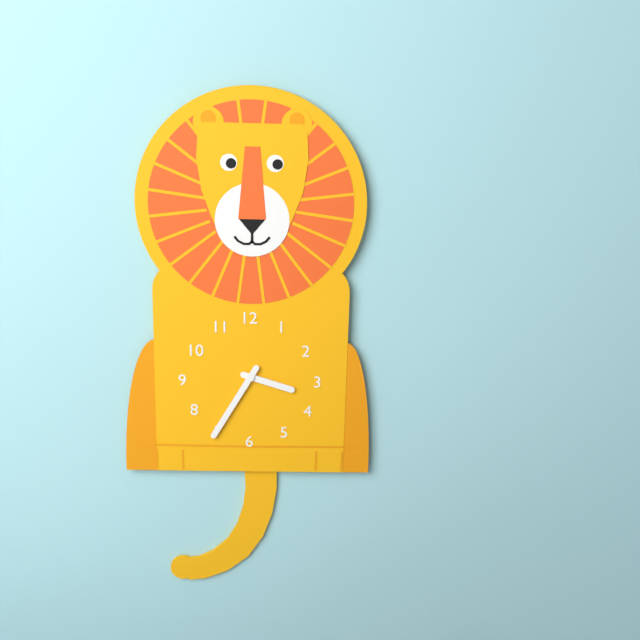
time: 3:35
